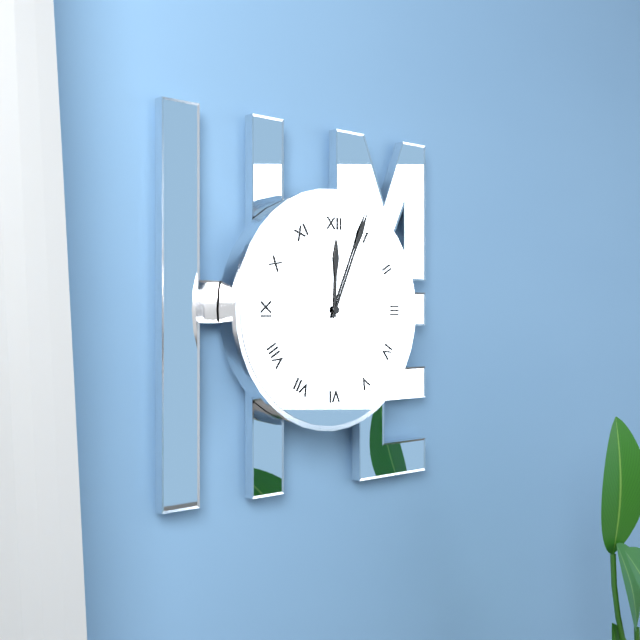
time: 12:04
